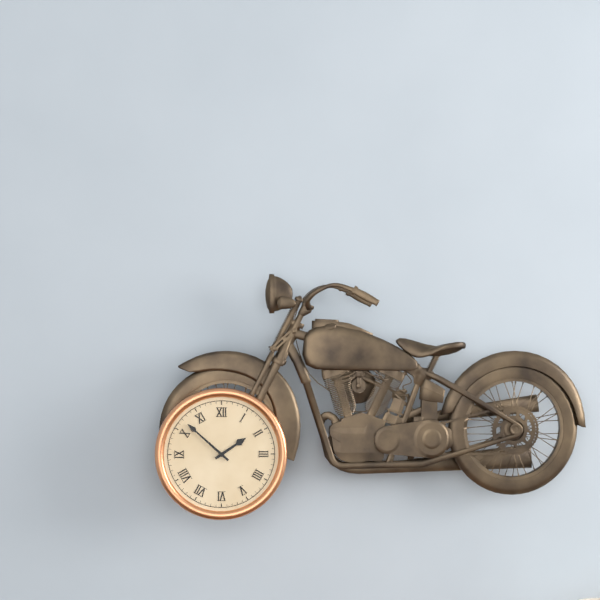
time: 1:52
